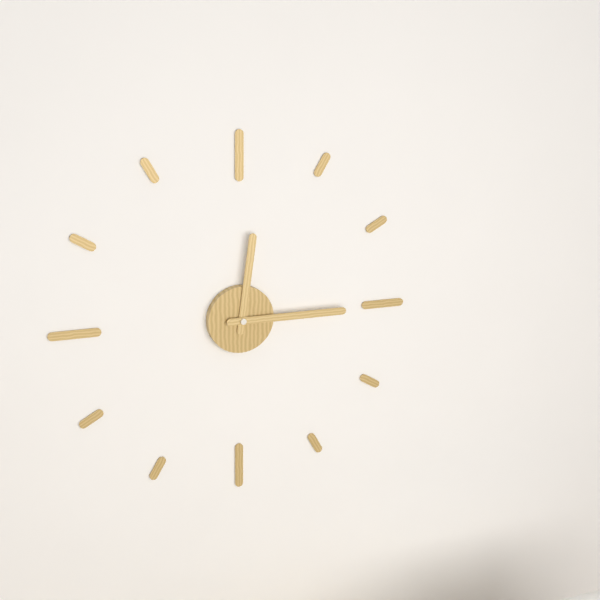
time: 12:15
